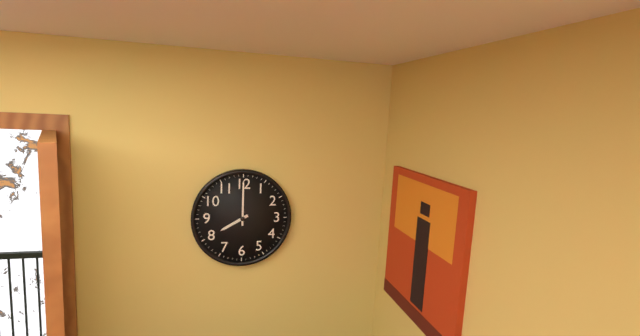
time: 8:00
